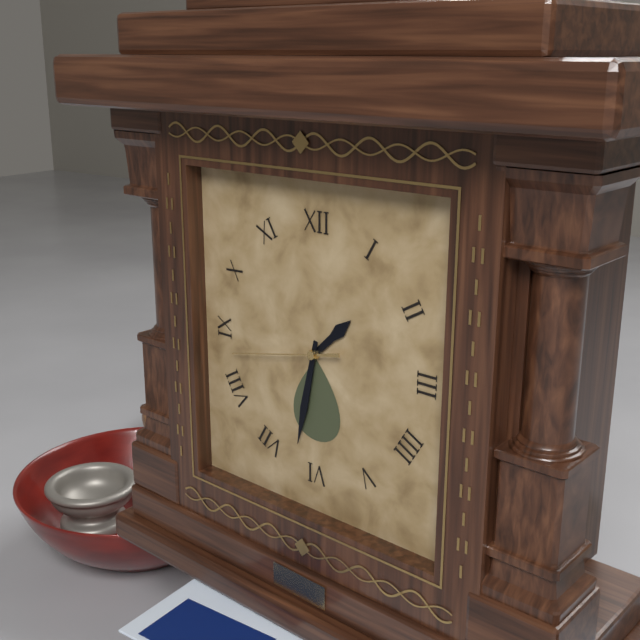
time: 1:32:43
